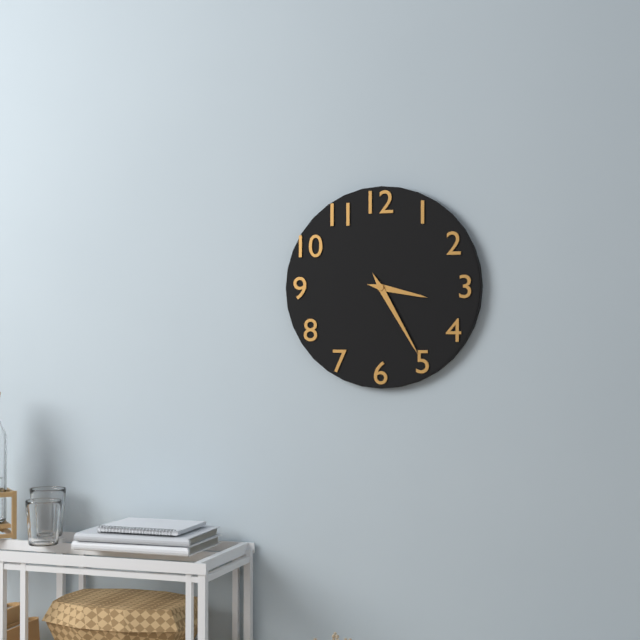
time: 3:25
